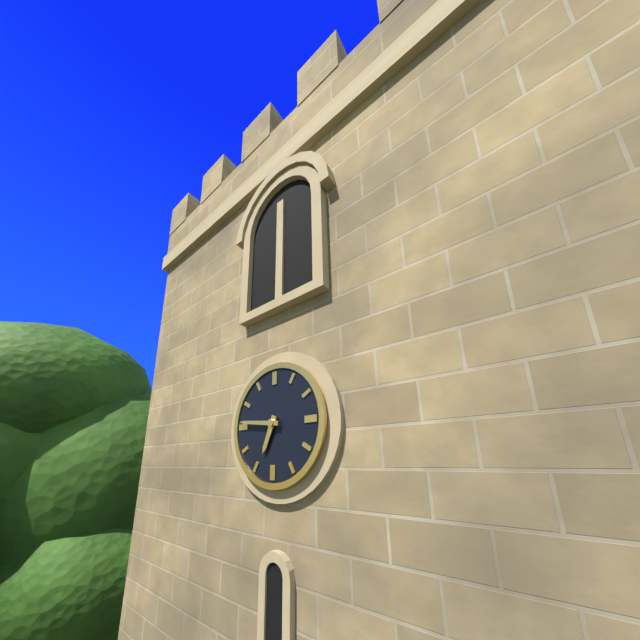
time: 6:46
